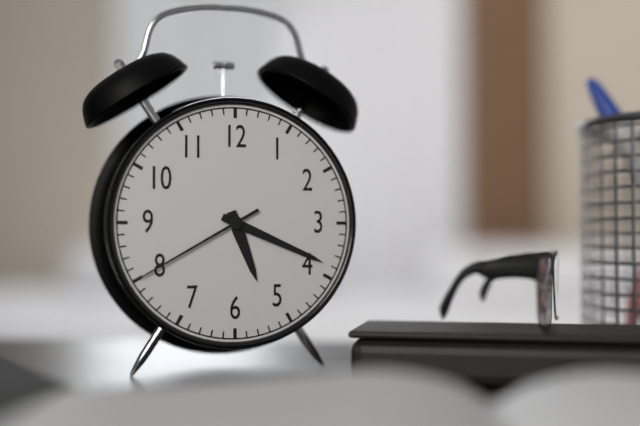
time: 5:19:40
